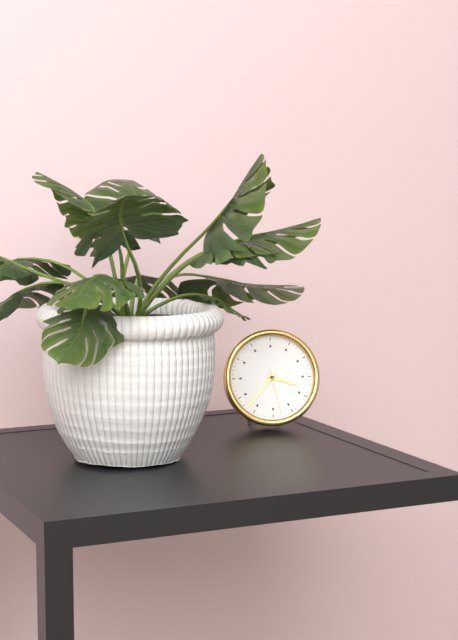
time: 3:37
